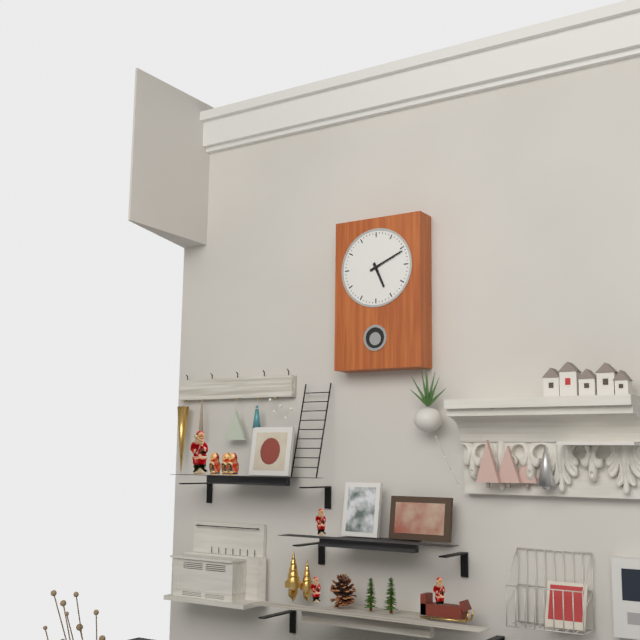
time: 5:11
